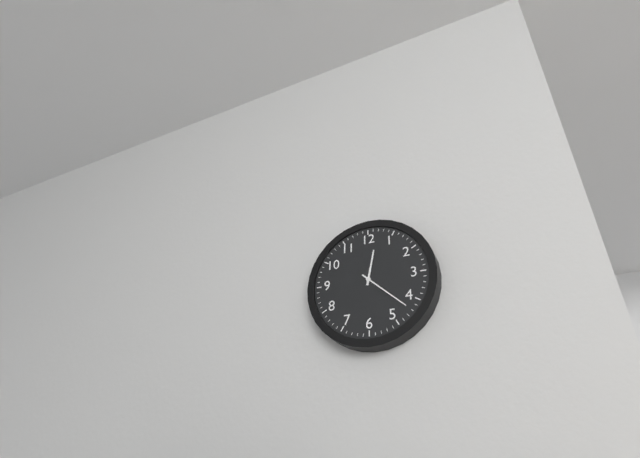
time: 12:22
